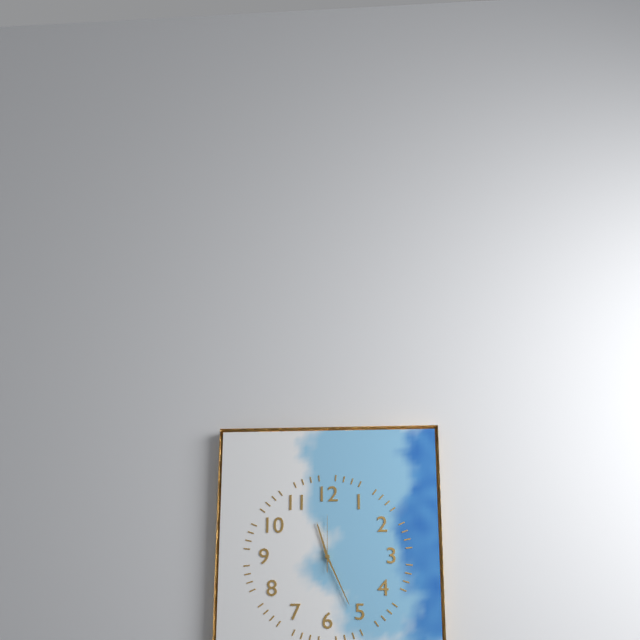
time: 11:26:00
